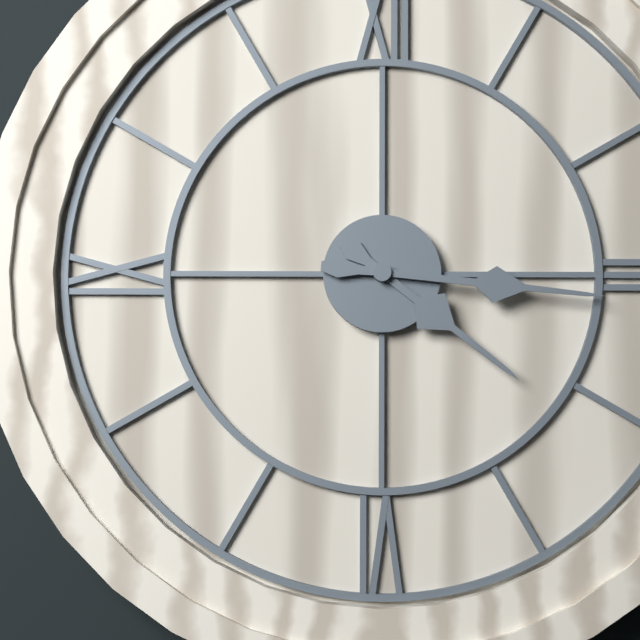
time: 4:16
